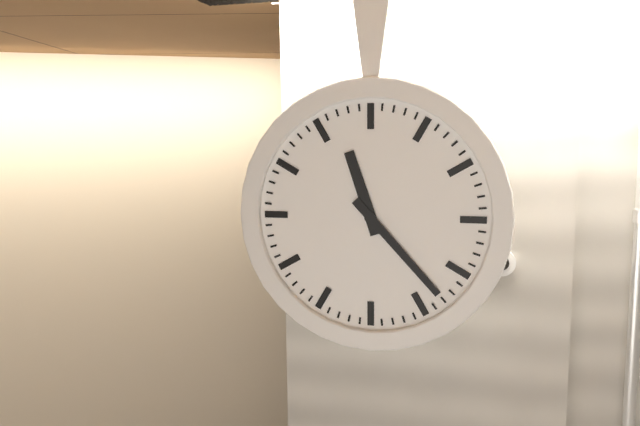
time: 11:23
